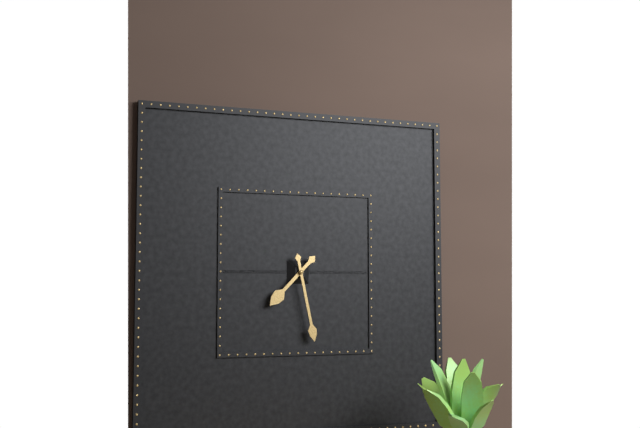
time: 7:28
